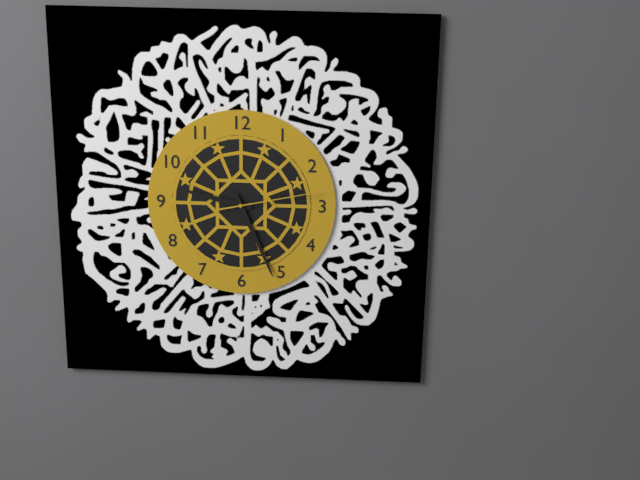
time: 9:26:13
